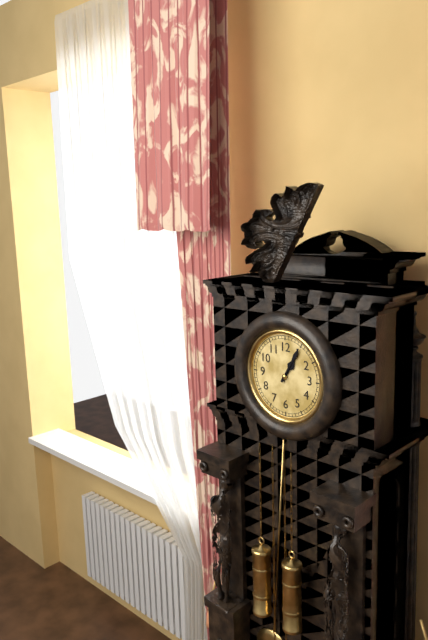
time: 1:05
